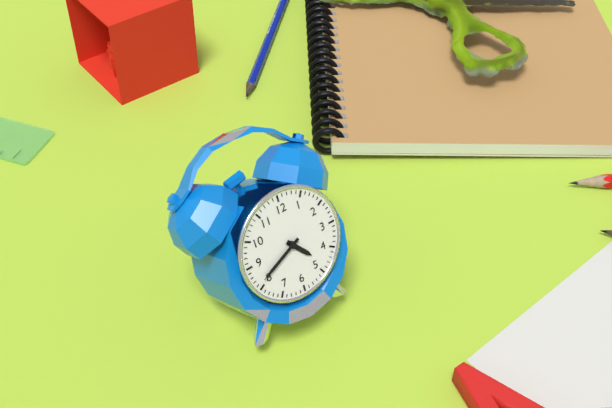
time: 4:41
